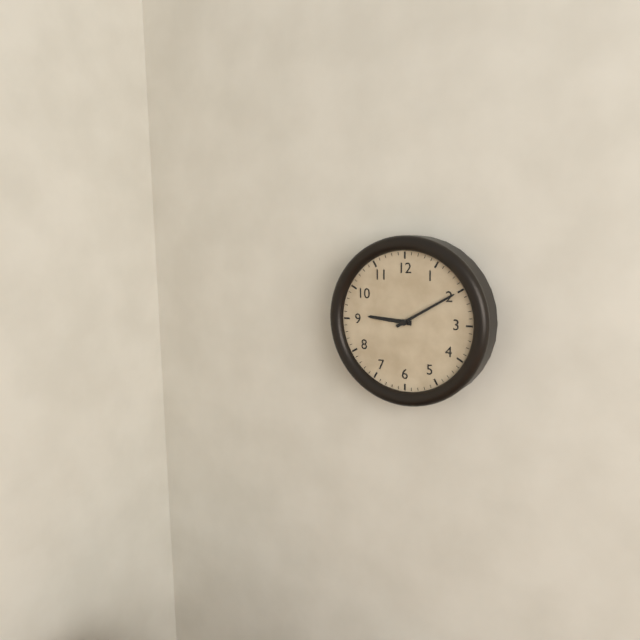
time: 9:10
